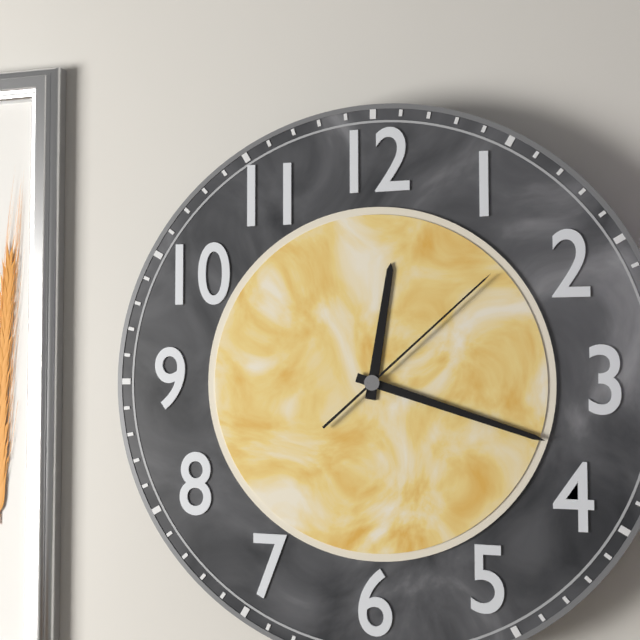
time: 12:18:08
